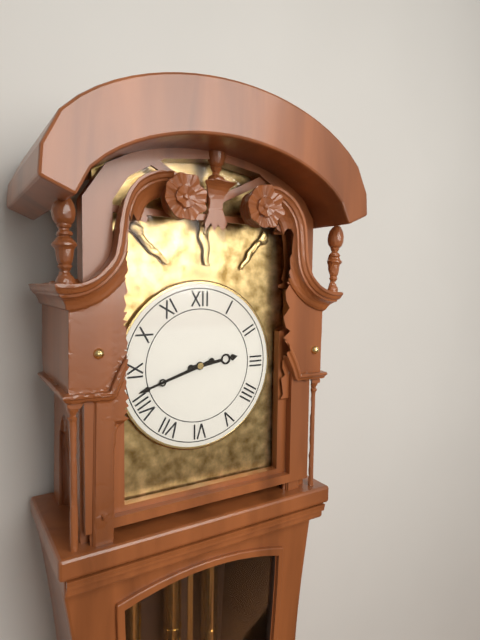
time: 2:42
